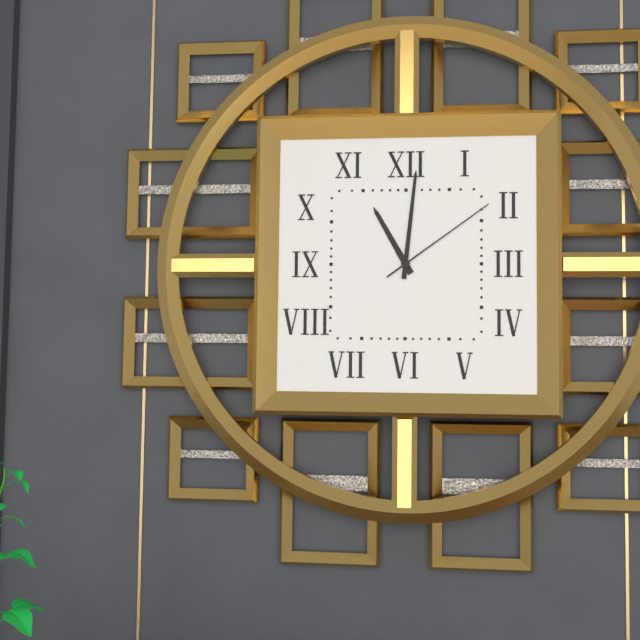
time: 11:01:09
